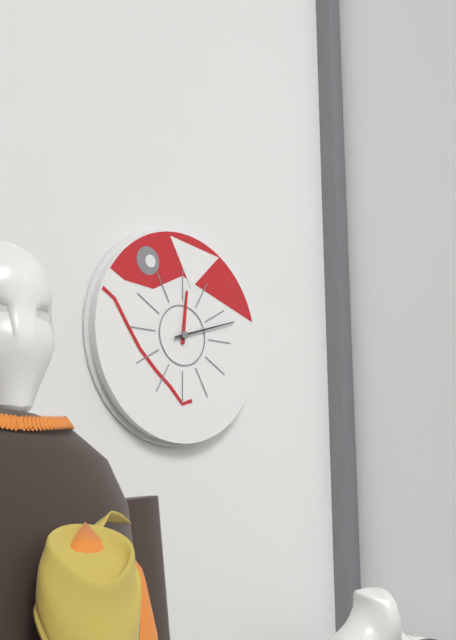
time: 12:12
